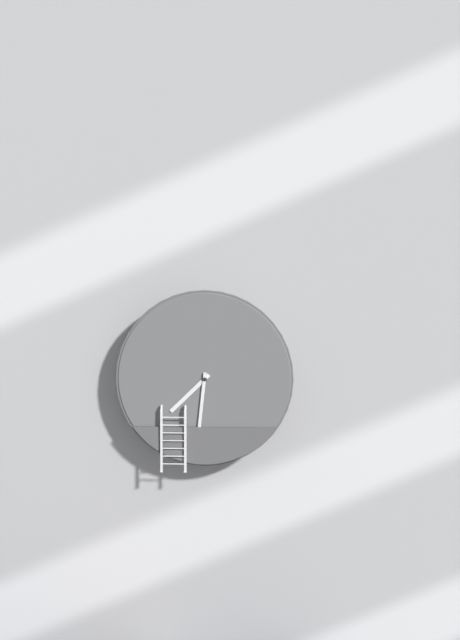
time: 7:31
